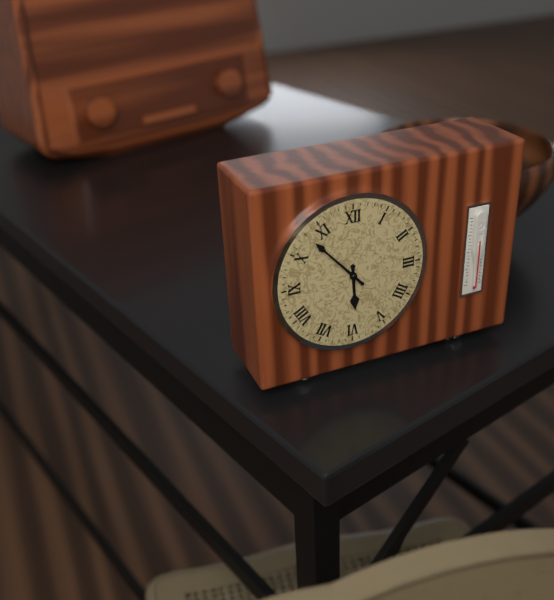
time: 5:53
